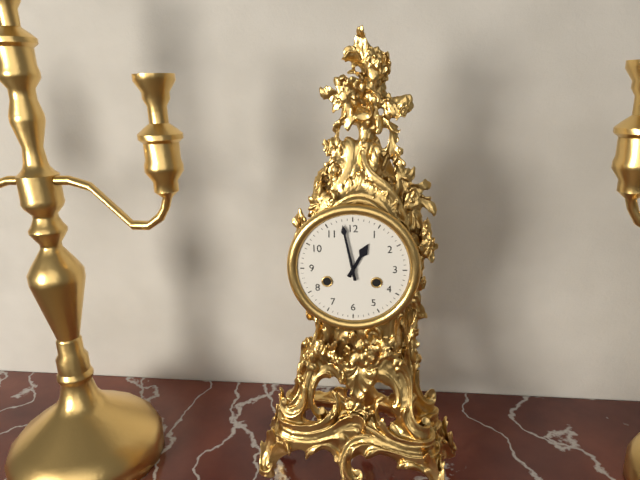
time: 12:58
